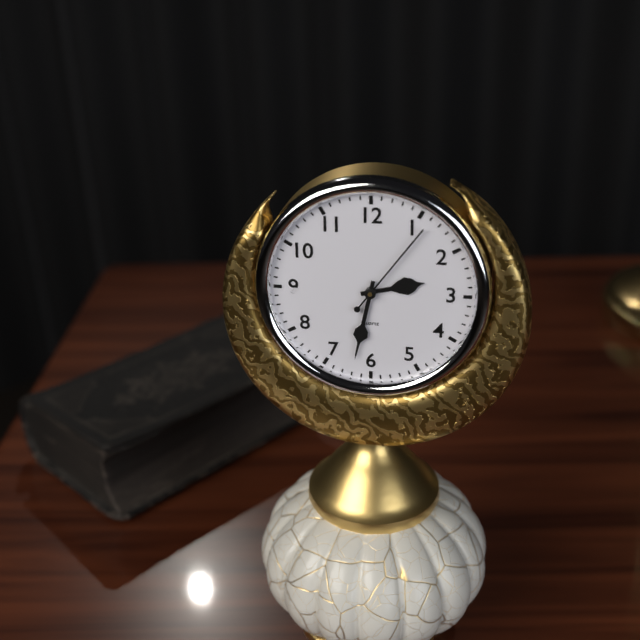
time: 2:32:06
